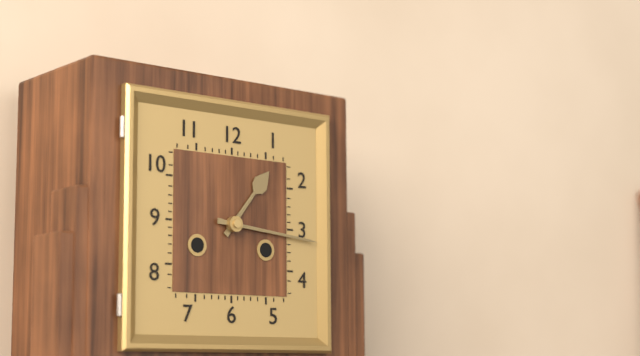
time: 1:16
